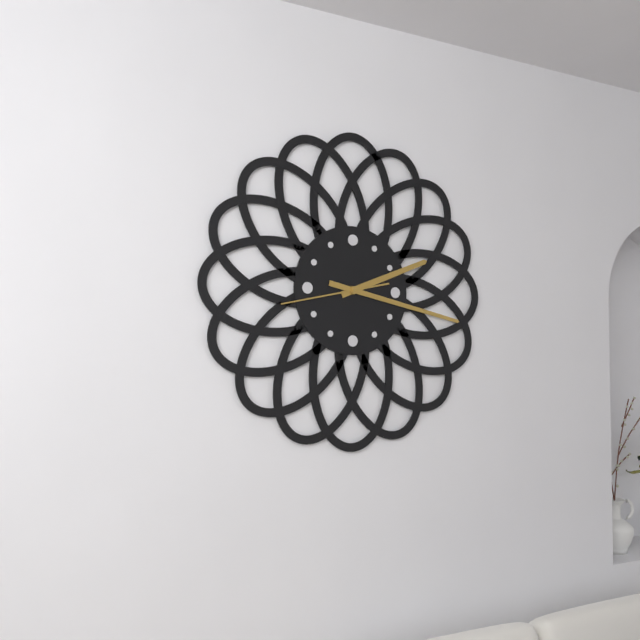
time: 2:17:43
